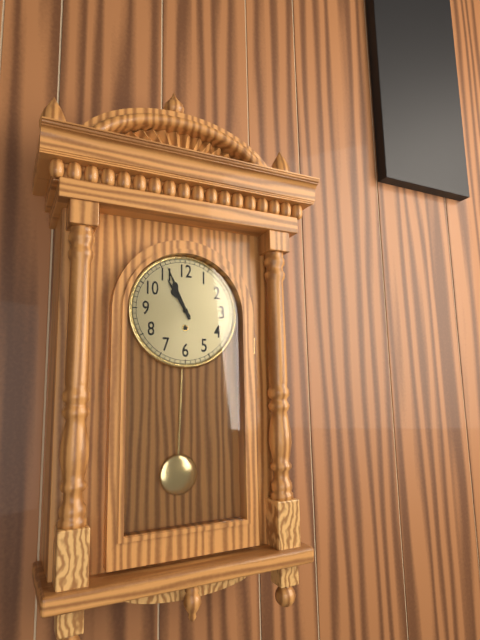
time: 10:56
